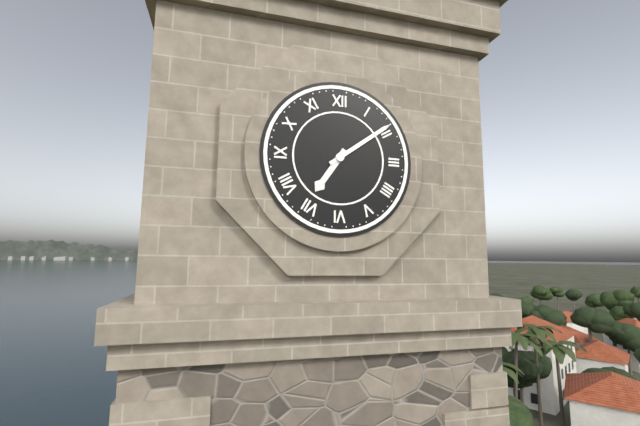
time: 7:09
